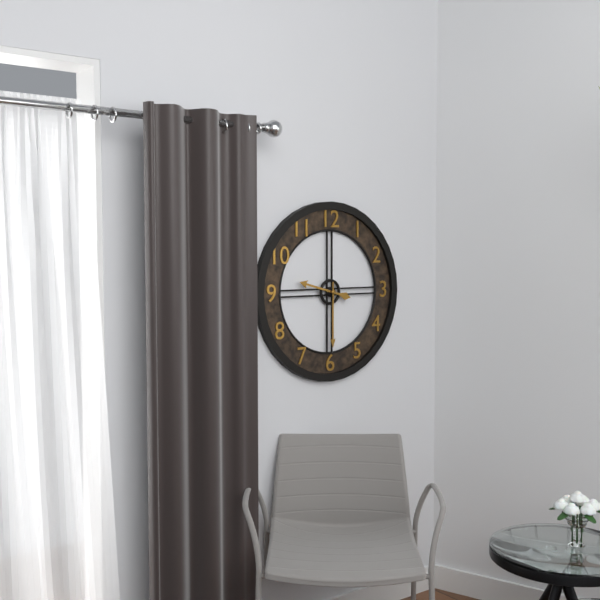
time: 9:30
